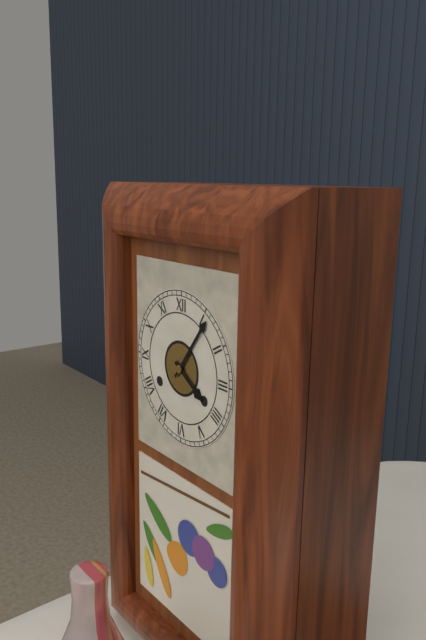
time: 4:06
